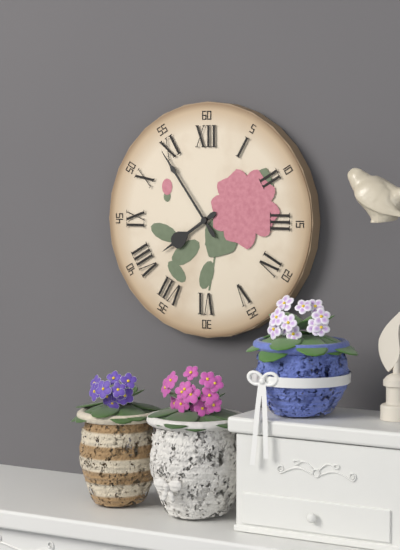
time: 7:54
